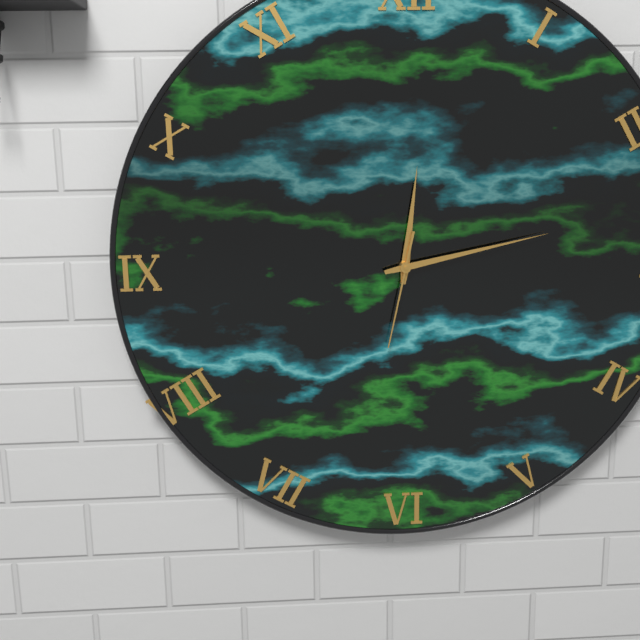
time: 12:13:32
